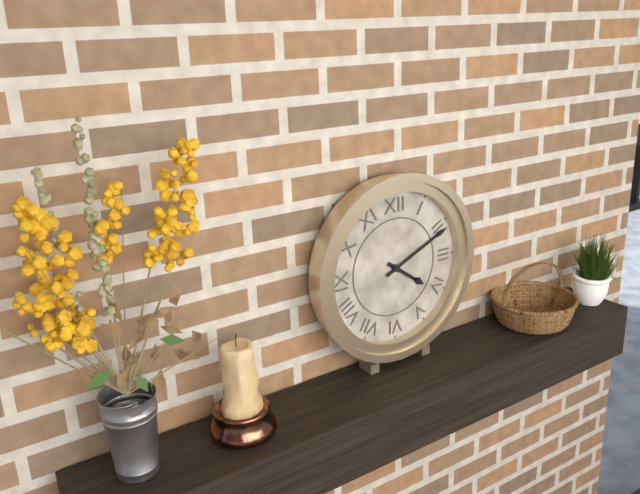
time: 4:11
